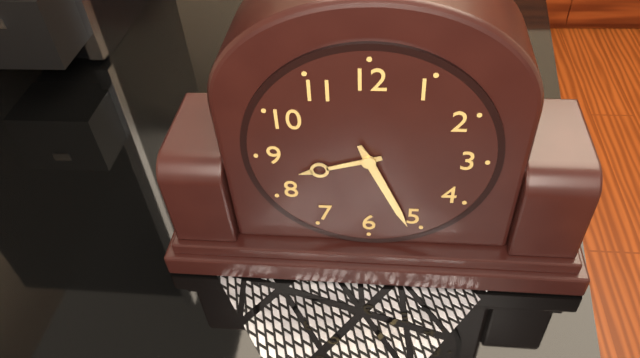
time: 8:26
